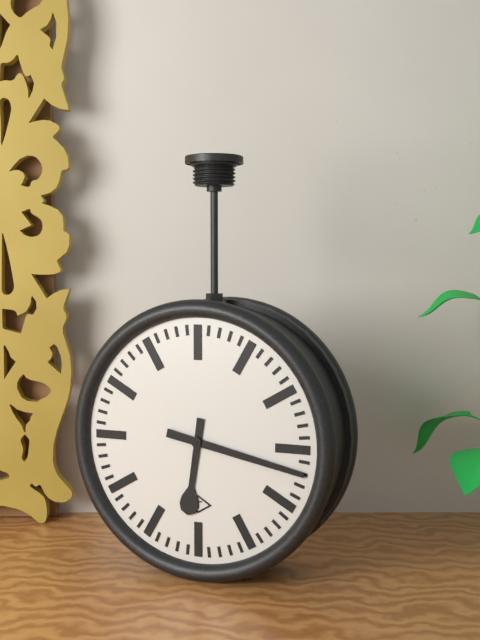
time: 6:17
